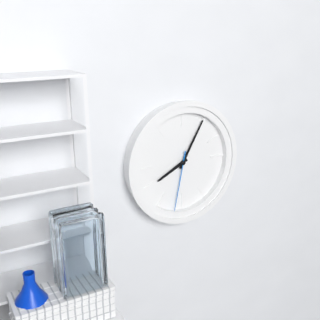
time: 8:05:32
